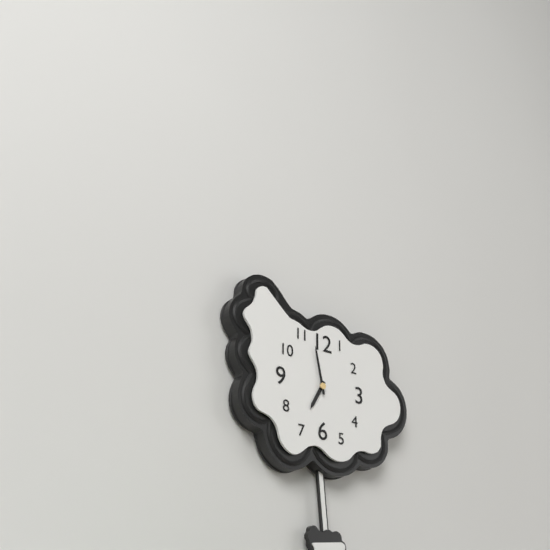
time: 6:58
